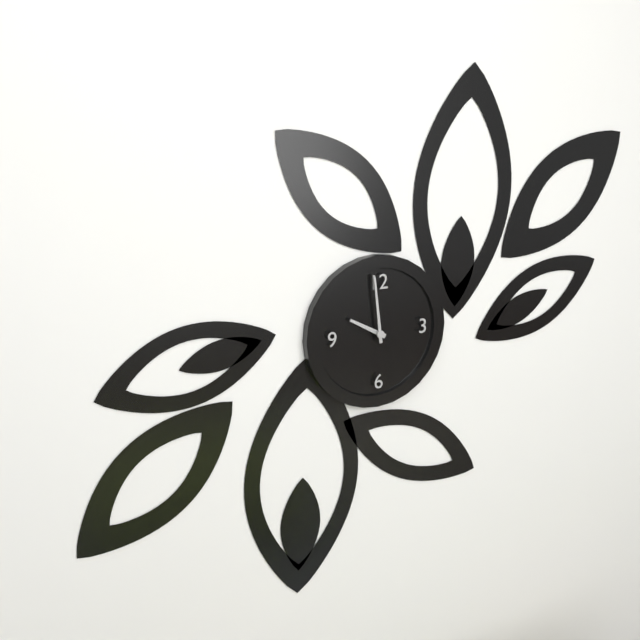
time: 9:59
